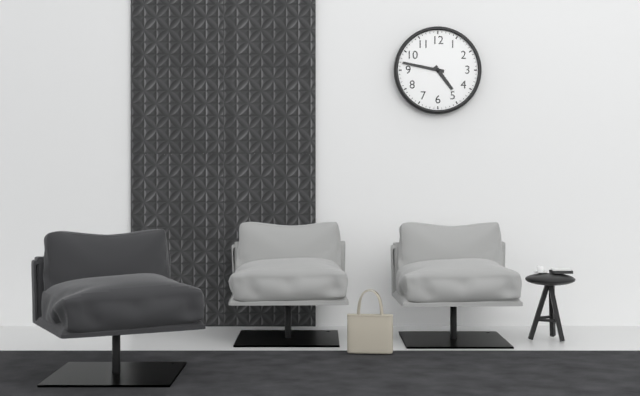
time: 4:47
